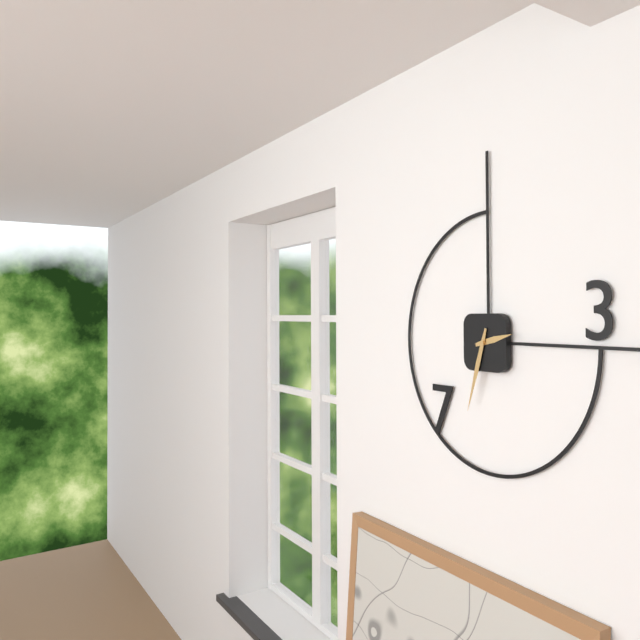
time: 2:33
